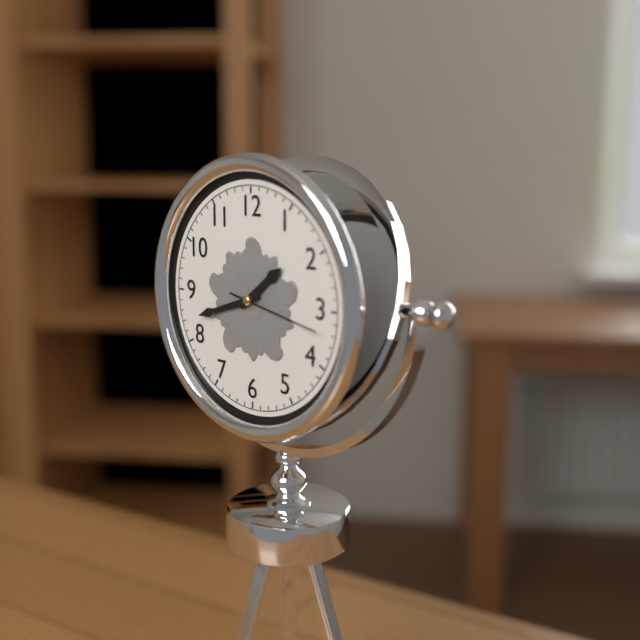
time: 1:42:17
